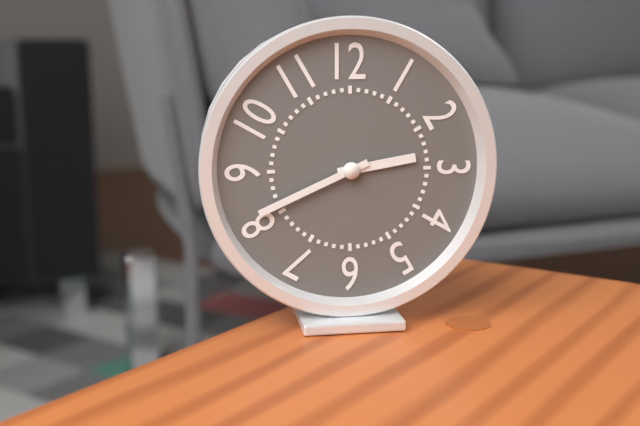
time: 2:41
